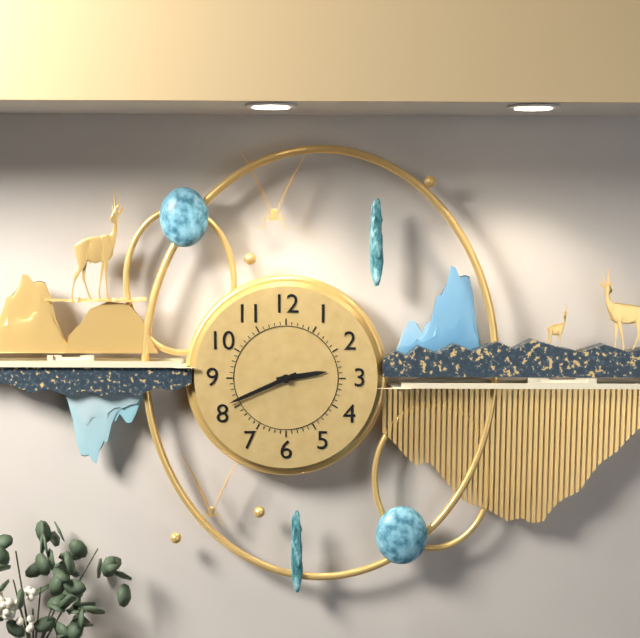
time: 2:41
